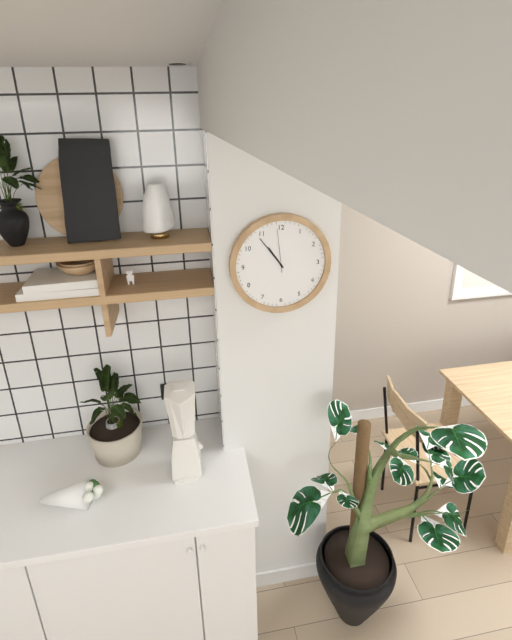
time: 10:54
